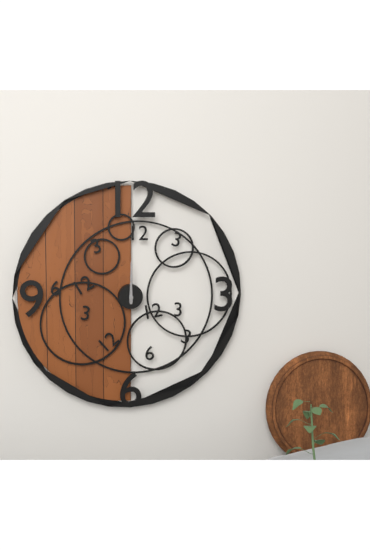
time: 12:00
